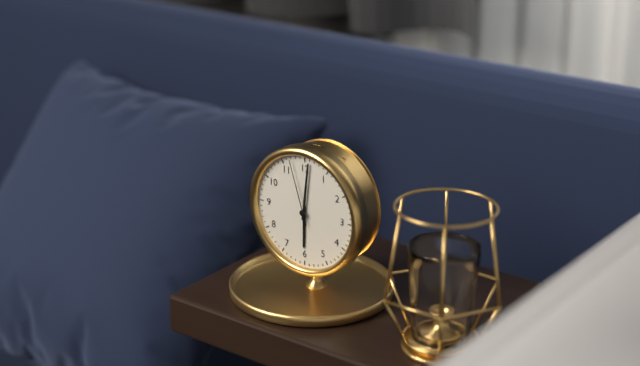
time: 6:01:57
